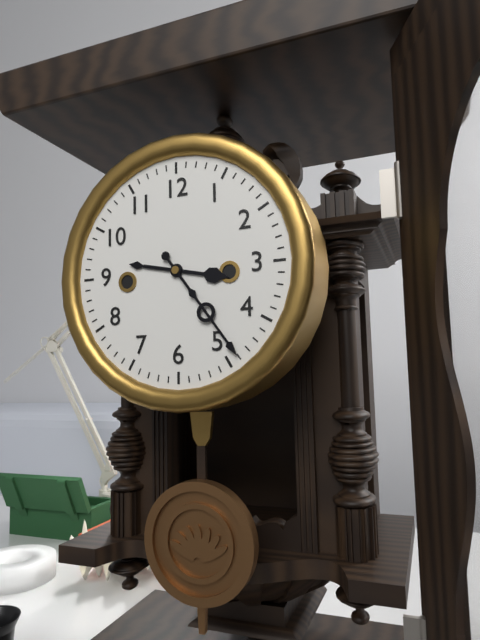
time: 3:24
